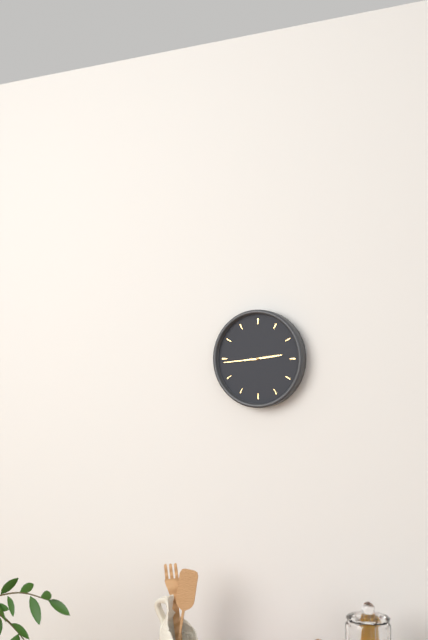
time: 2:44
